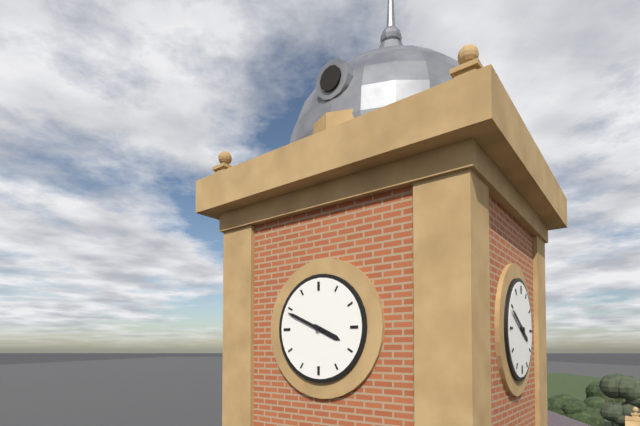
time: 3:49
